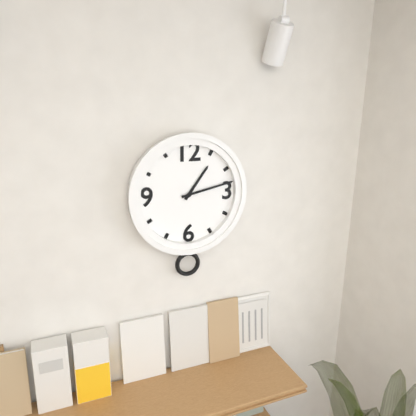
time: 1:13
